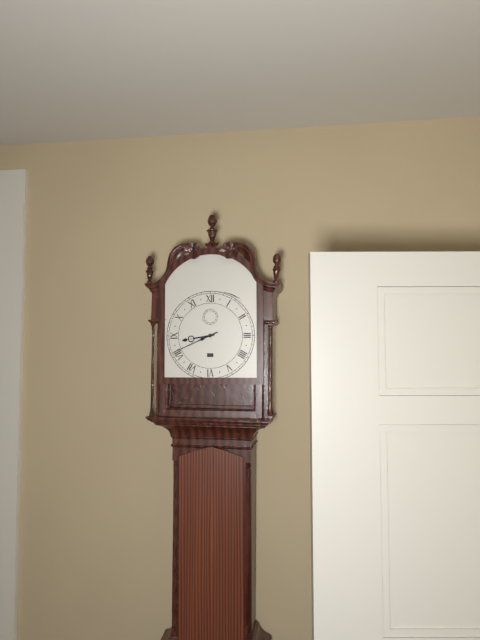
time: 8:41
